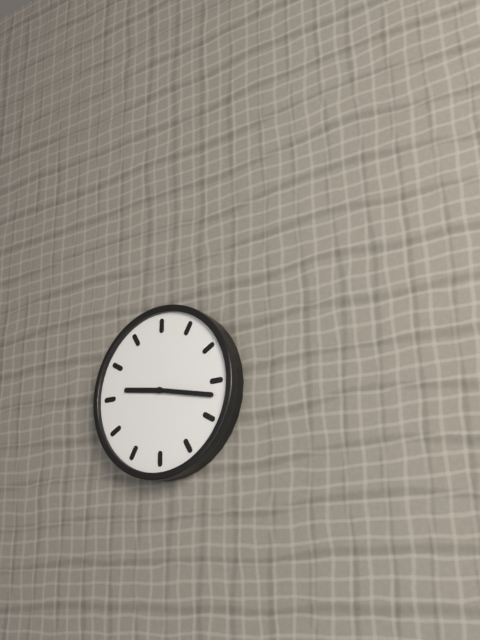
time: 9:17
